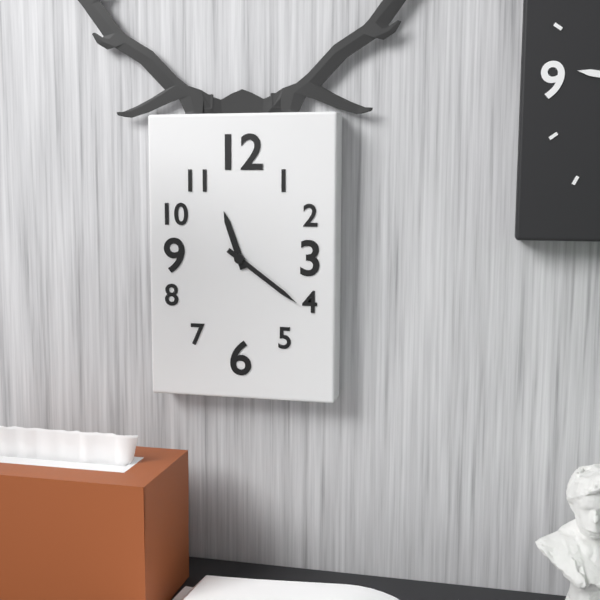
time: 11:21
